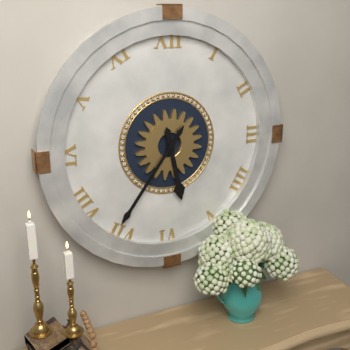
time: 5:36
